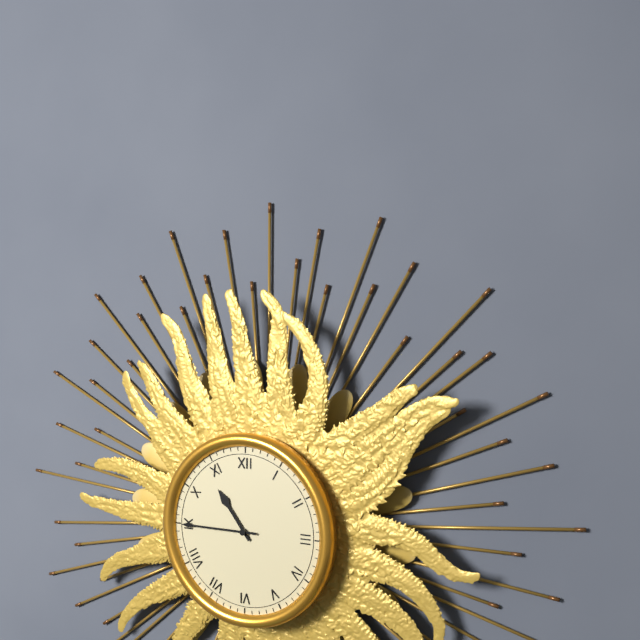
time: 10:45
